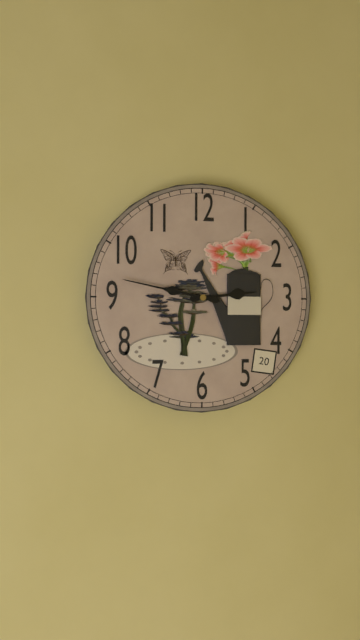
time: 2:47
